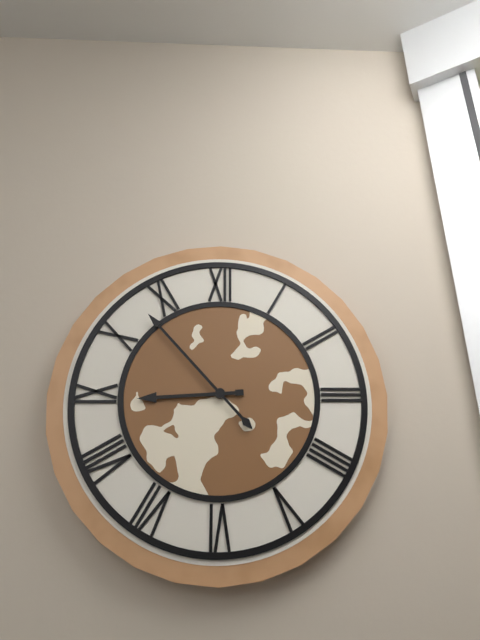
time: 8:53
